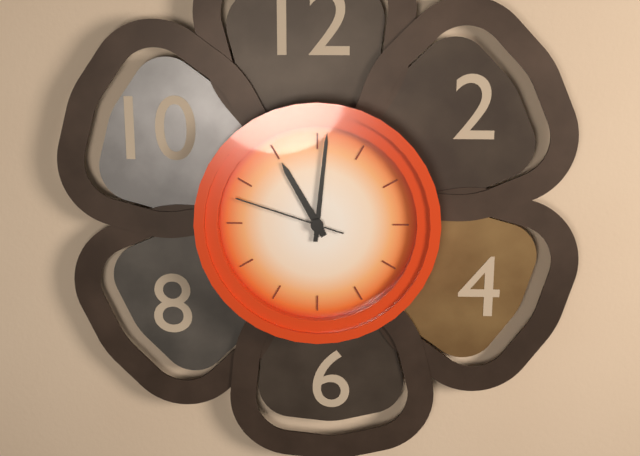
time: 11:01:48
